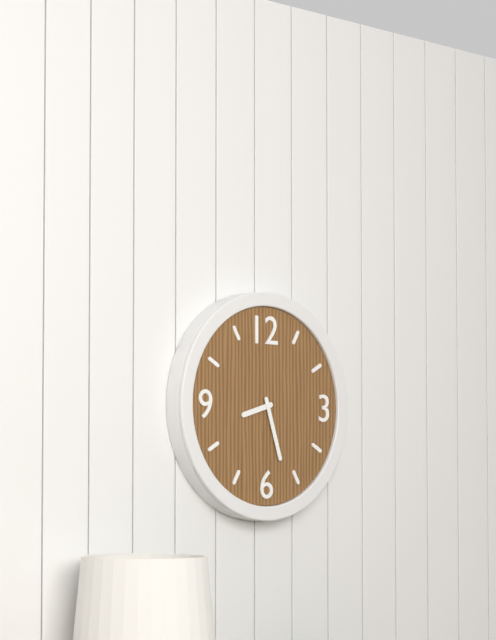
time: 8:27
